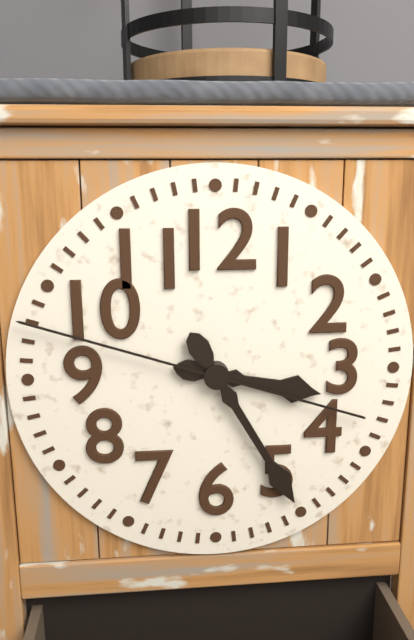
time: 3:25:48
